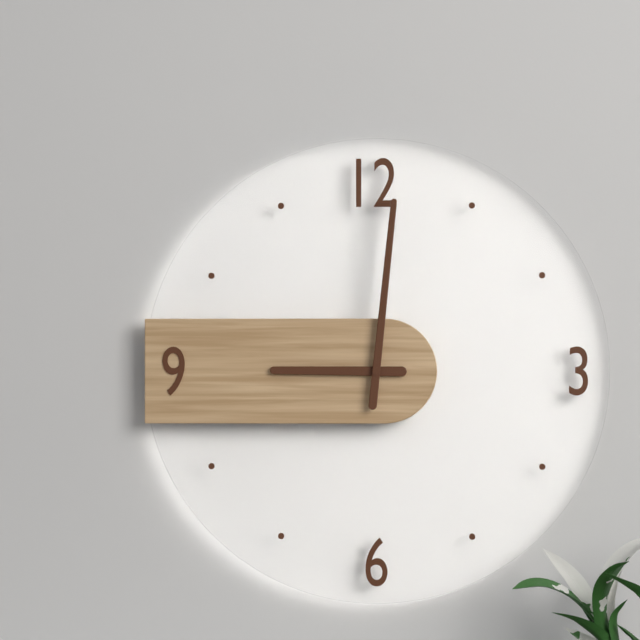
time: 9:01
